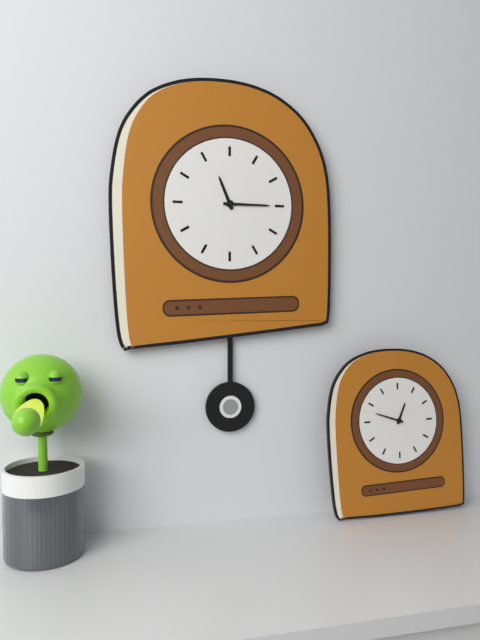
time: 11:15
